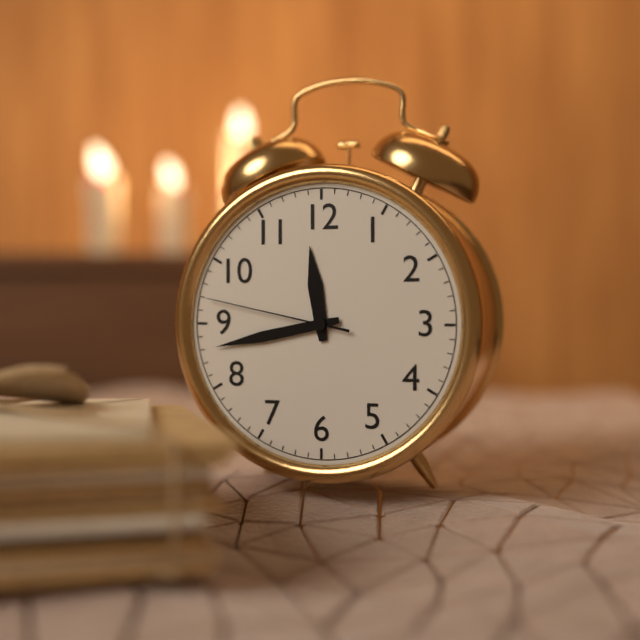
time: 11:43:47
